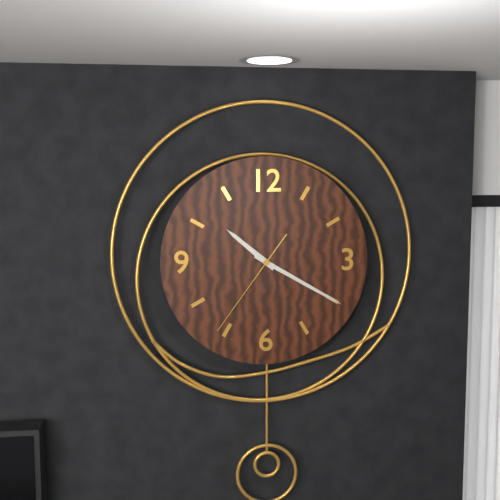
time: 10:20:36
